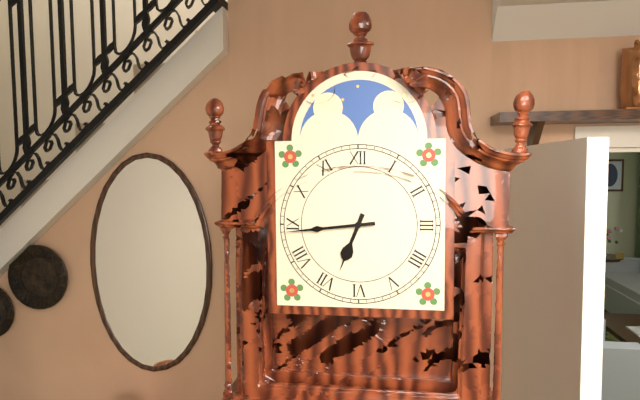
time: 6:44
